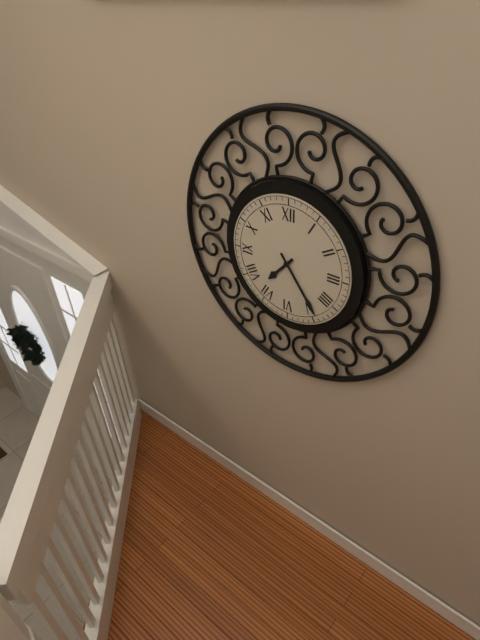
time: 7:24
